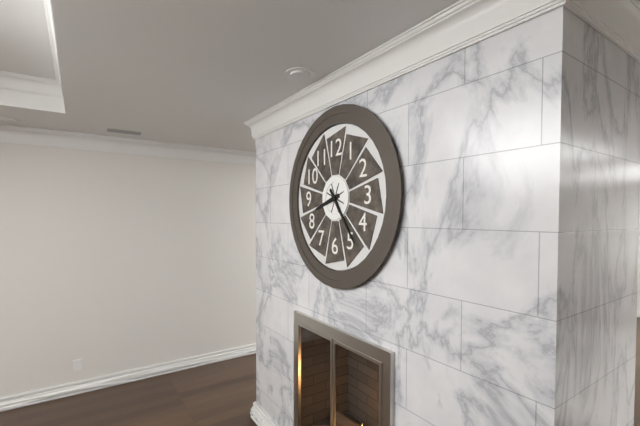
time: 8:24
